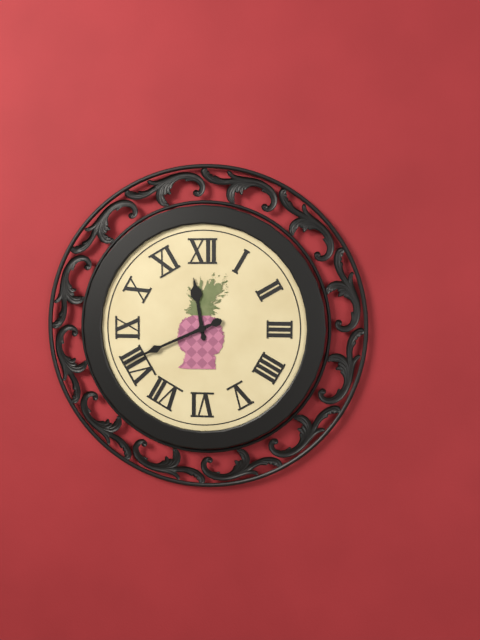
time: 11:41
